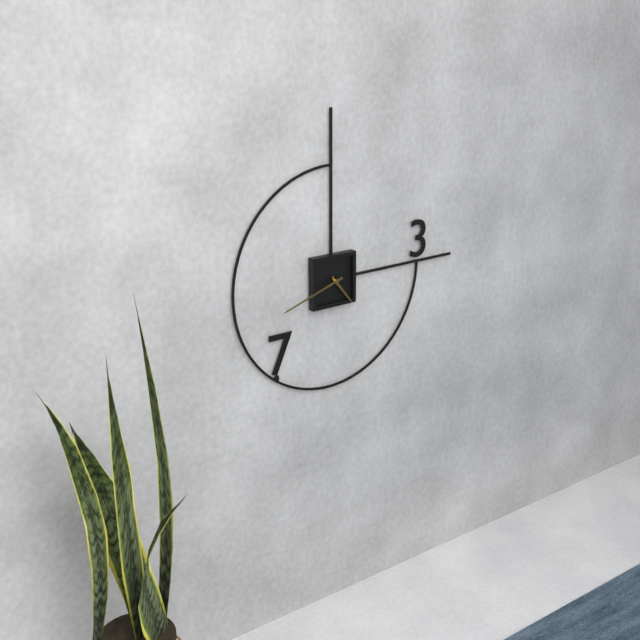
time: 4:42
